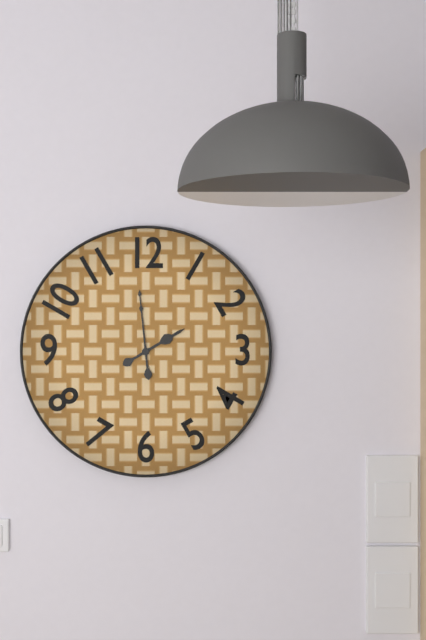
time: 1:59
